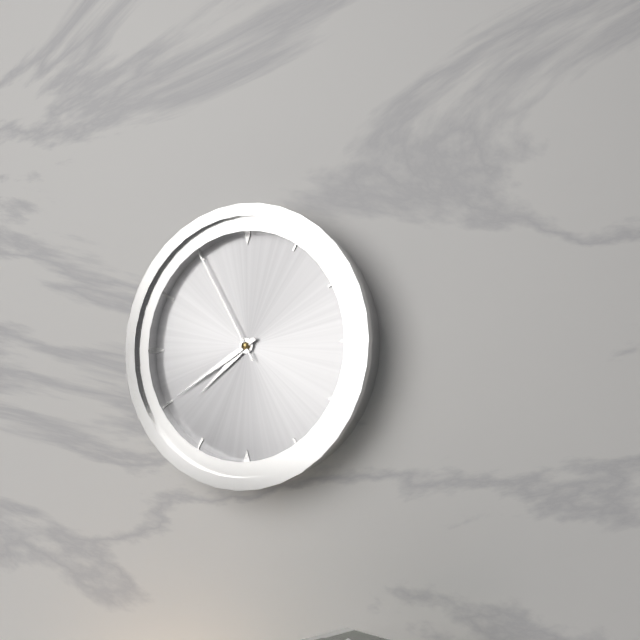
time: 7:40:55
